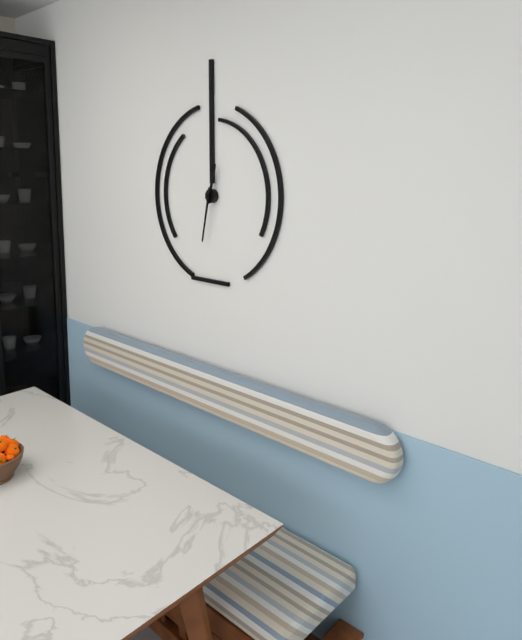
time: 12:32
